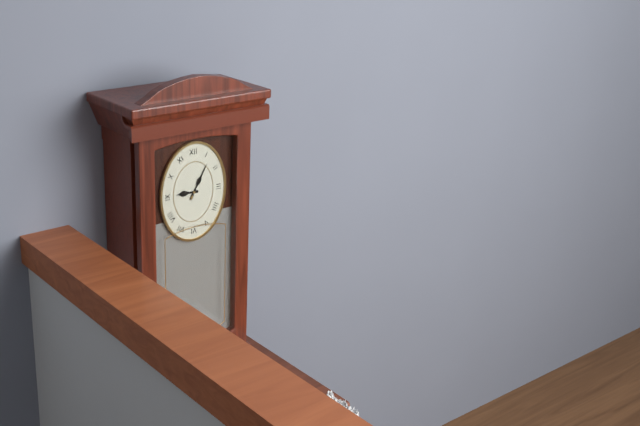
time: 9:05
